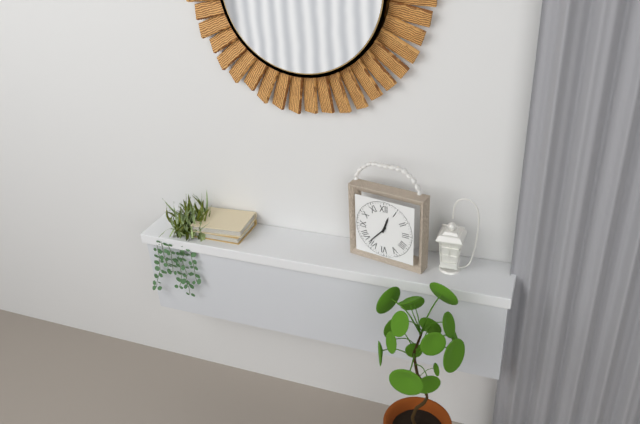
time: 12:37
